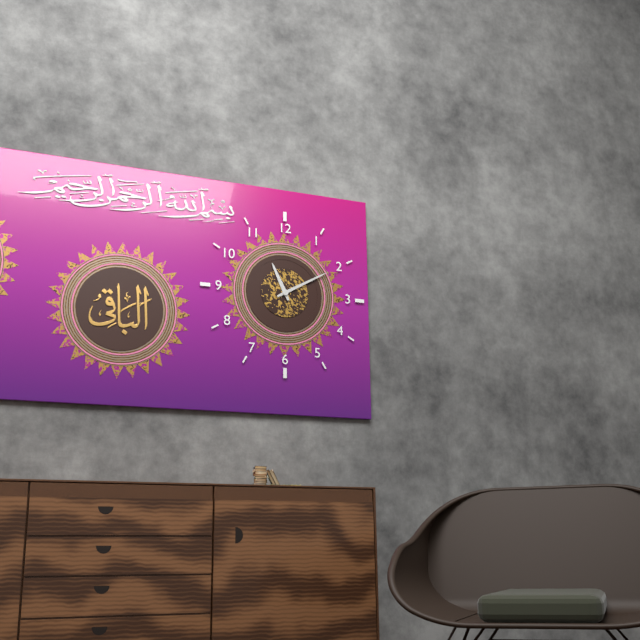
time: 11:10
